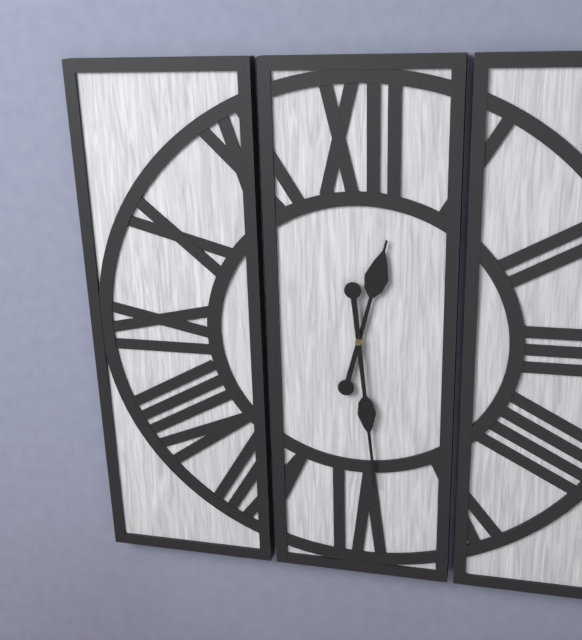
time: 12:29
